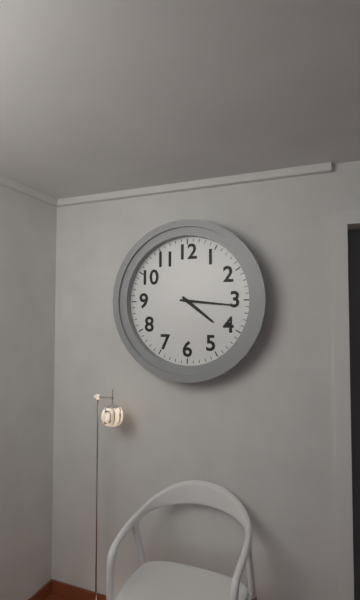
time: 4:16
